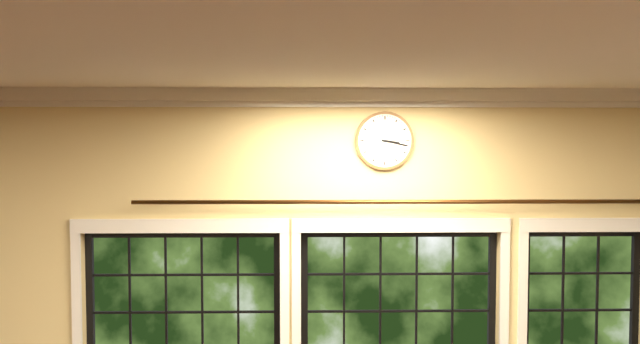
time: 3:17
